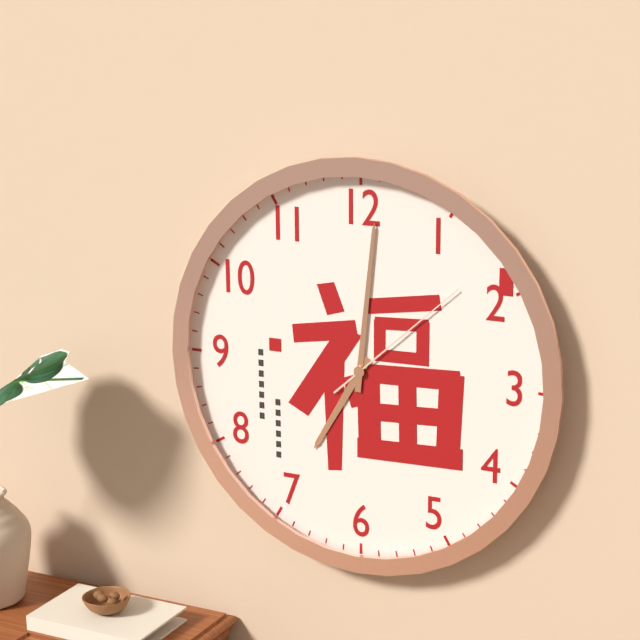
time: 7:01:08
